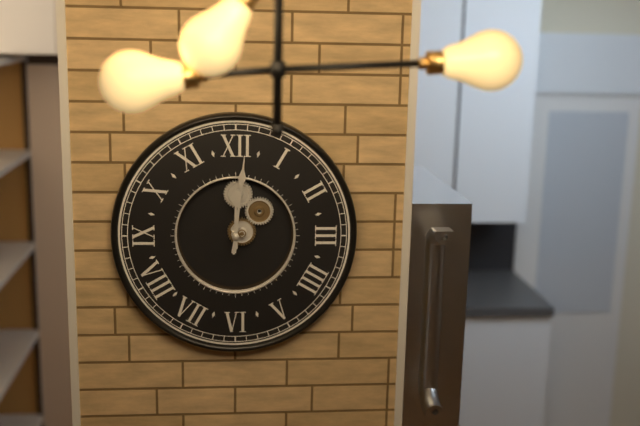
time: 12:01
